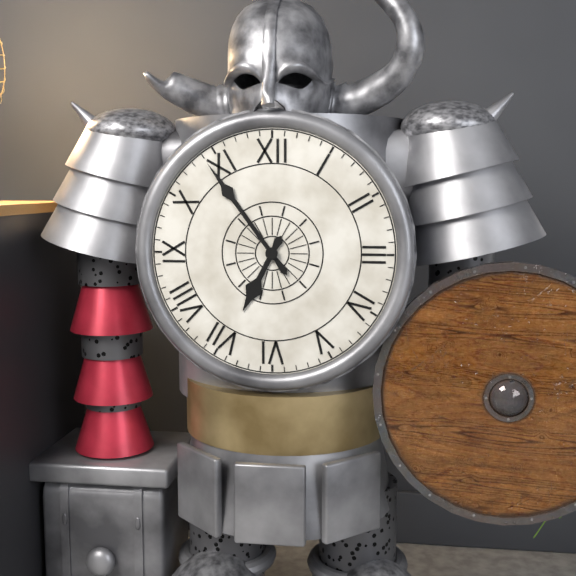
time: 6:54
